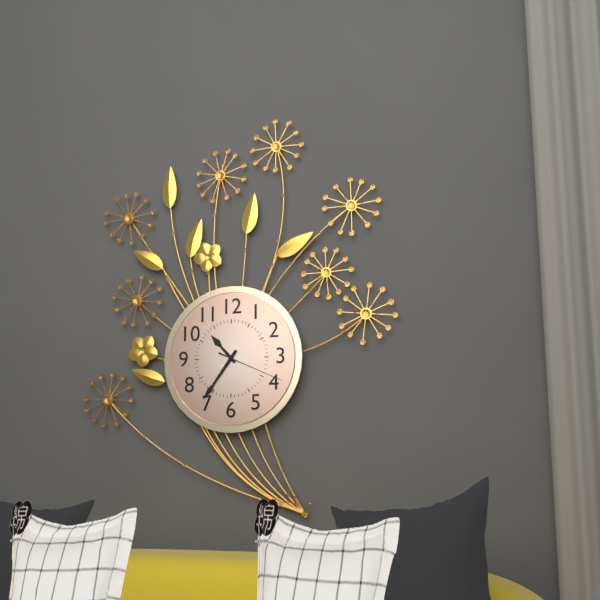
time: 10:36:19
